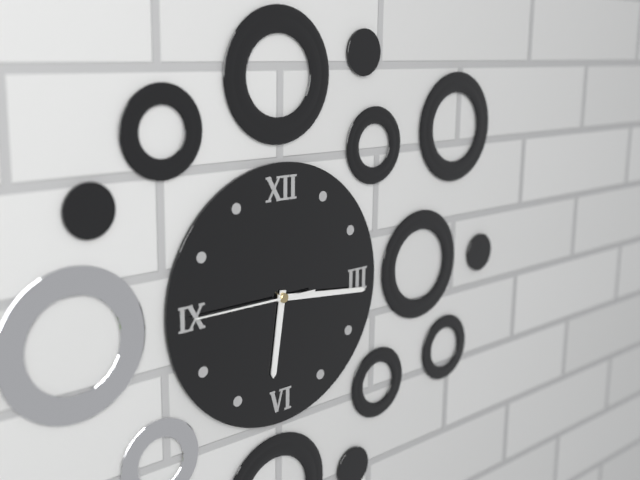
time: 6:16:45
